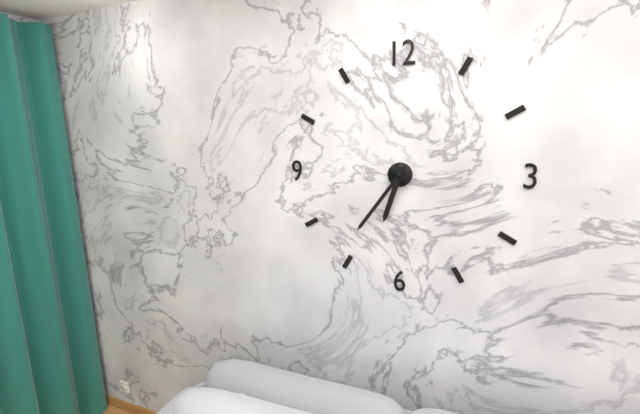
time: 6:36
